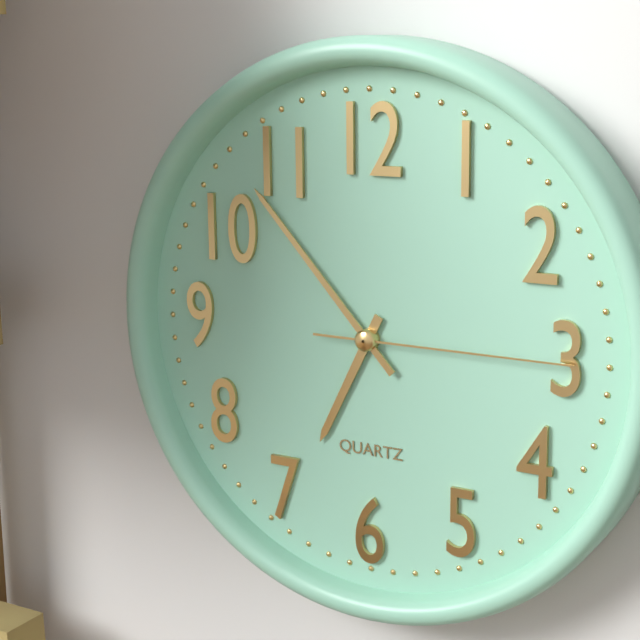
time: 6:53:15
